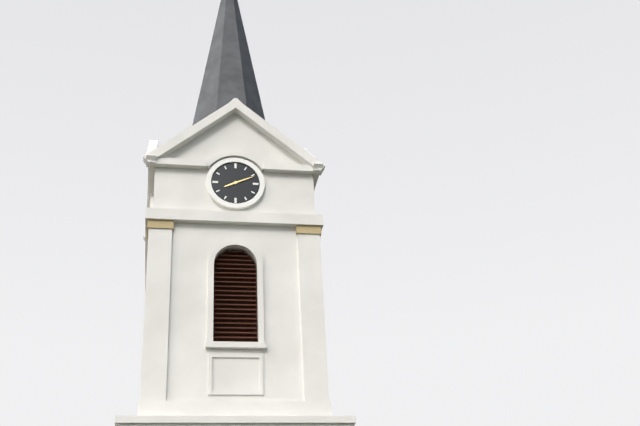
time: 8:11
